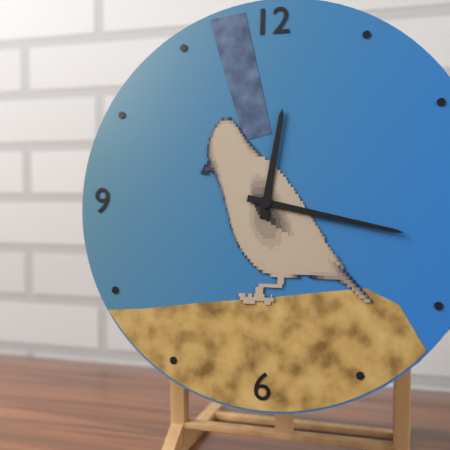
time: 12:17
